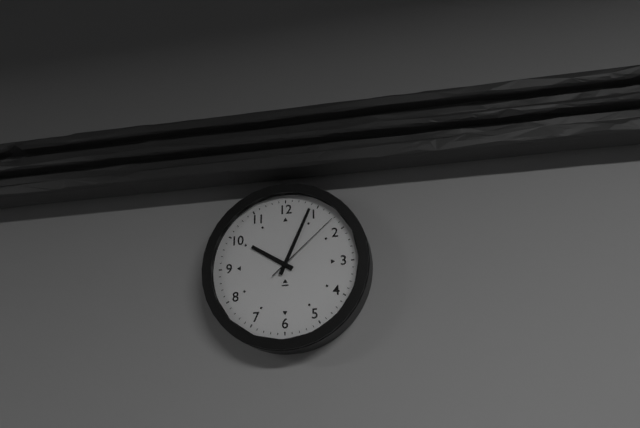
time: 10:04:08
